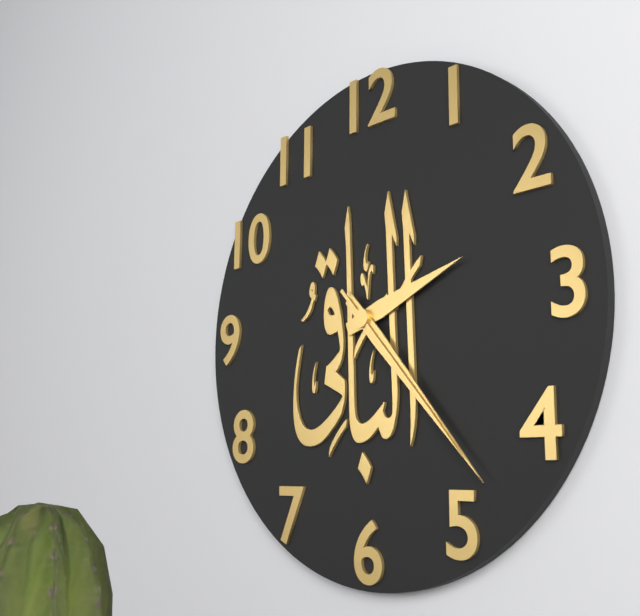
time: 2:23:23
